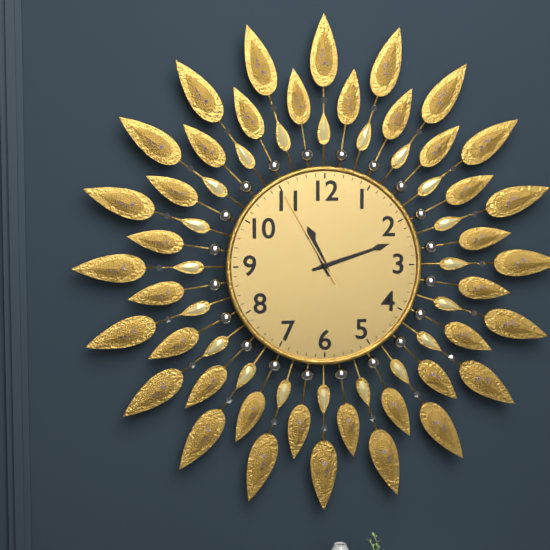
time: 11:12:55
